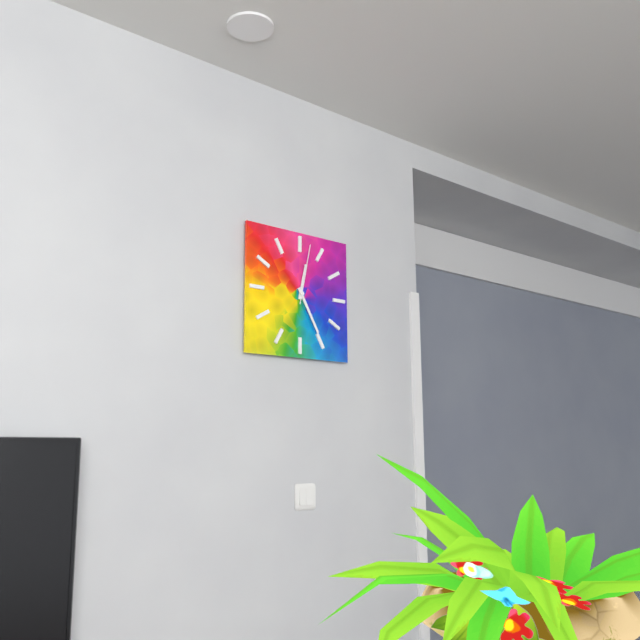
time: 12:25:02
